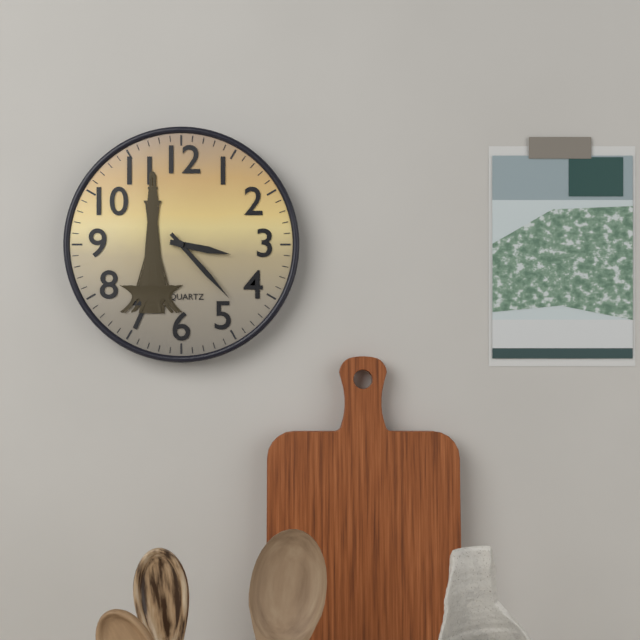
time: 3:23
